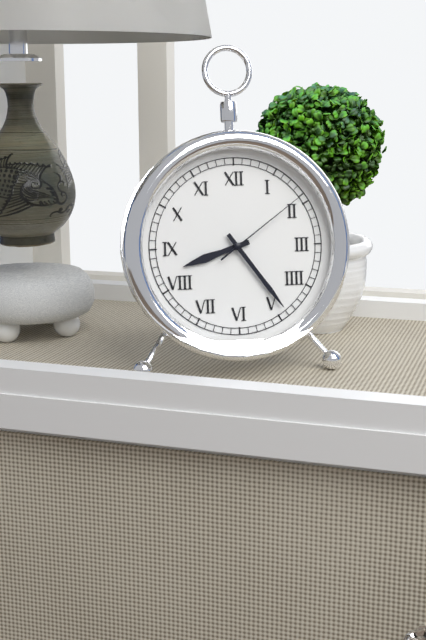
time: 8:24:09
